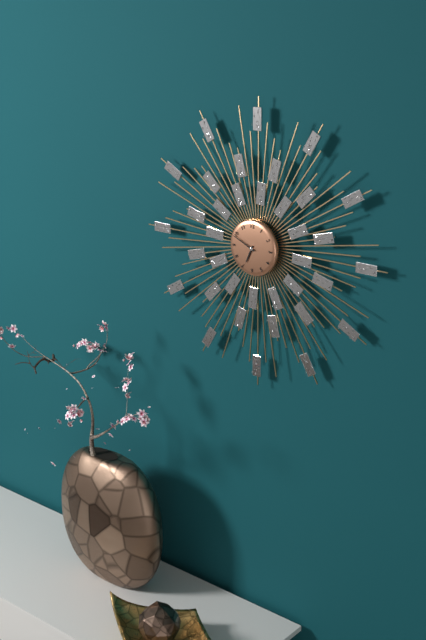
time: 6:49
